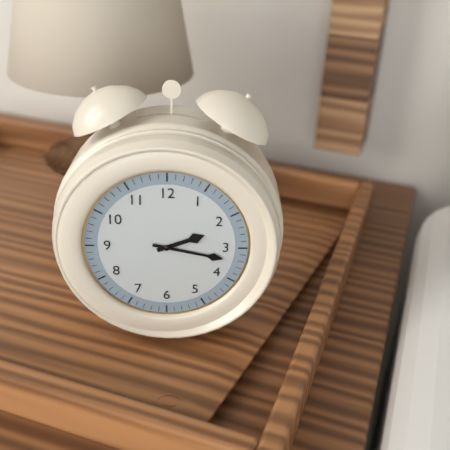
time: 2:17
